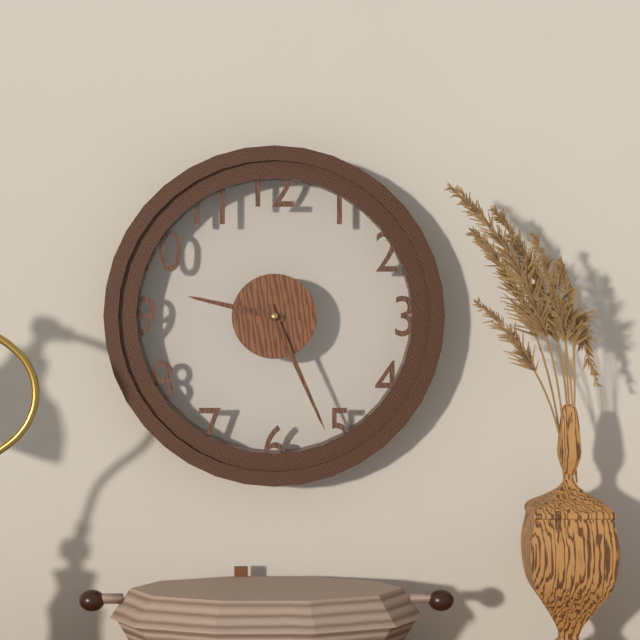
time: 9:26
